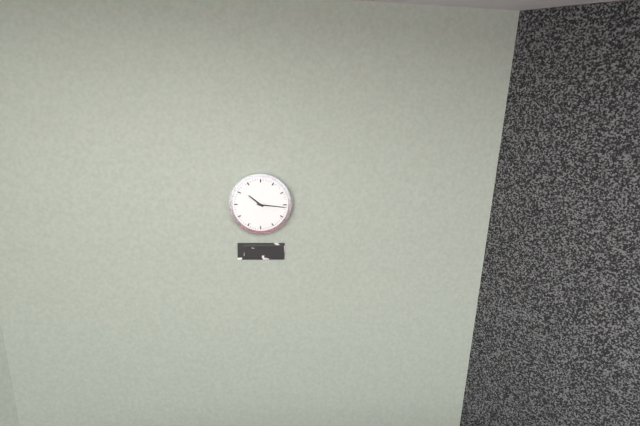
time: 10:16
